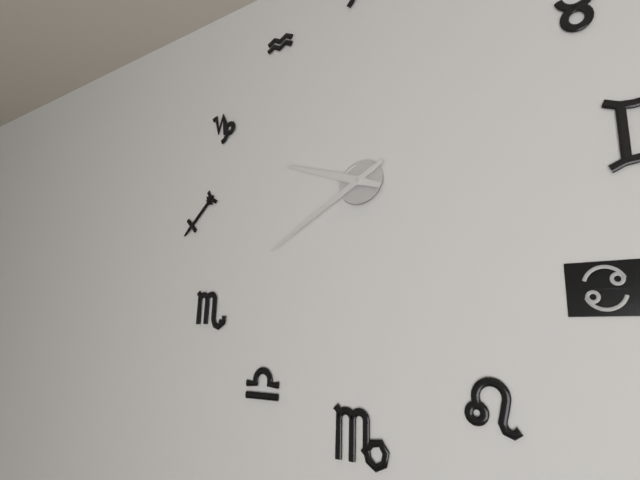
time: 9:40
